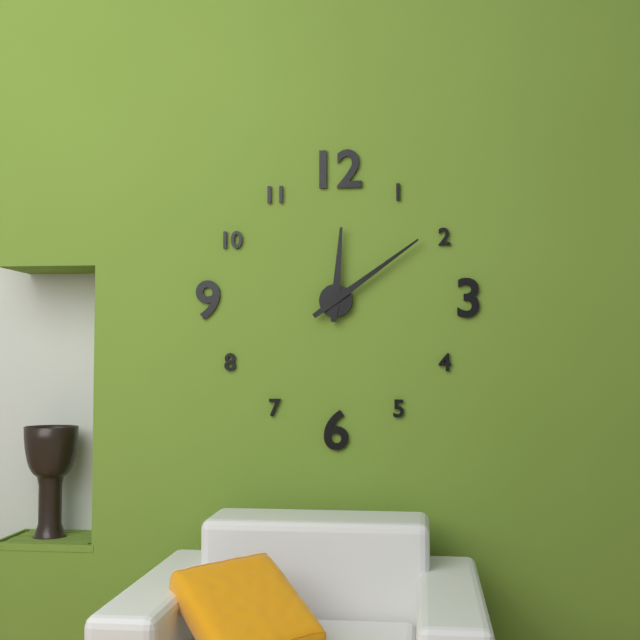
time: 12:09
